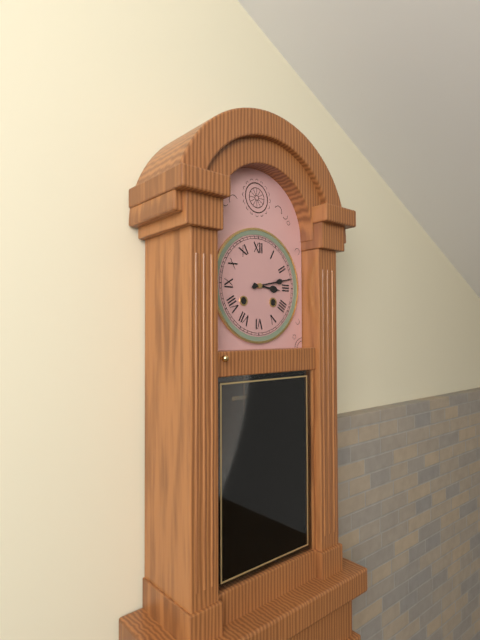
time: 3:13
